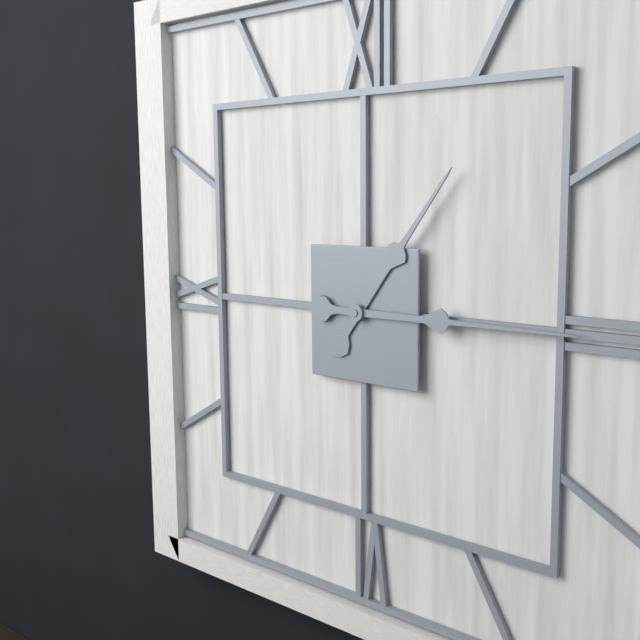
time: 1:15
